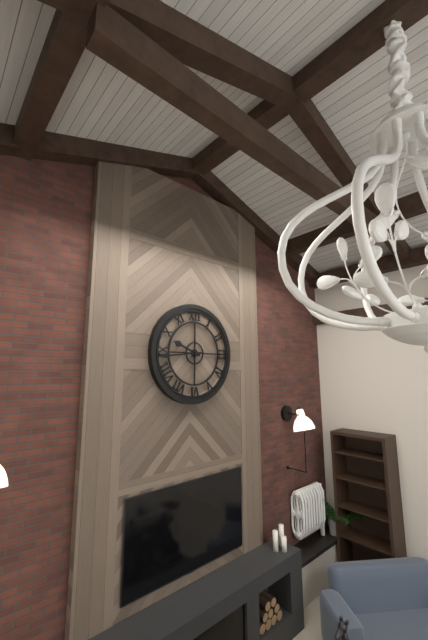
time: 9:44
